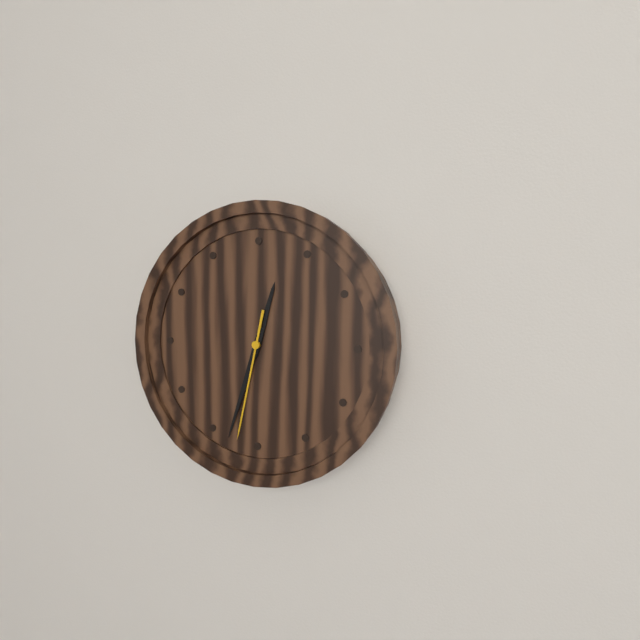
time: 12:33:32
